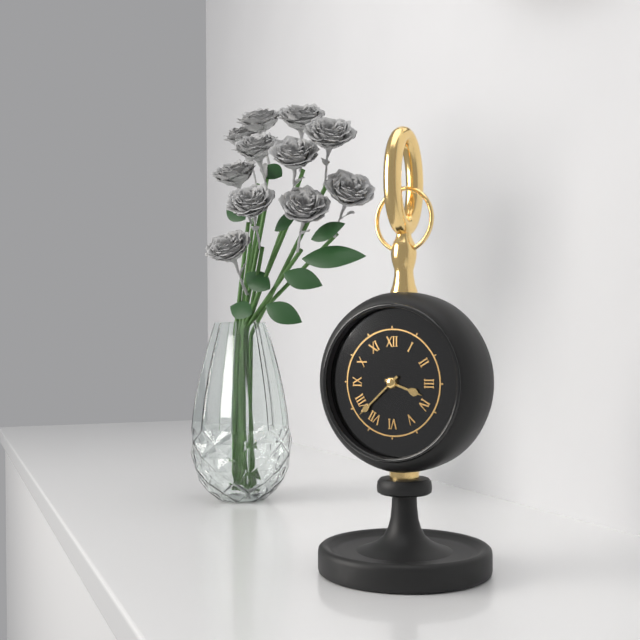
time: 3:38
